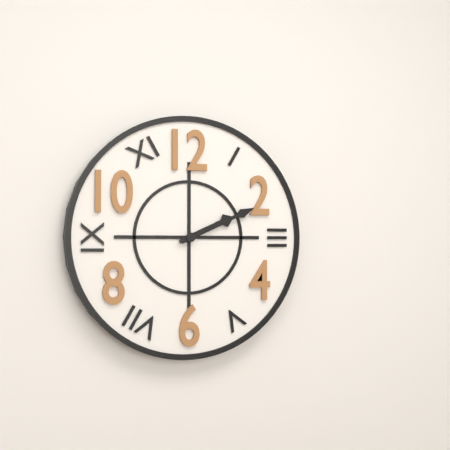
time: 2:11
